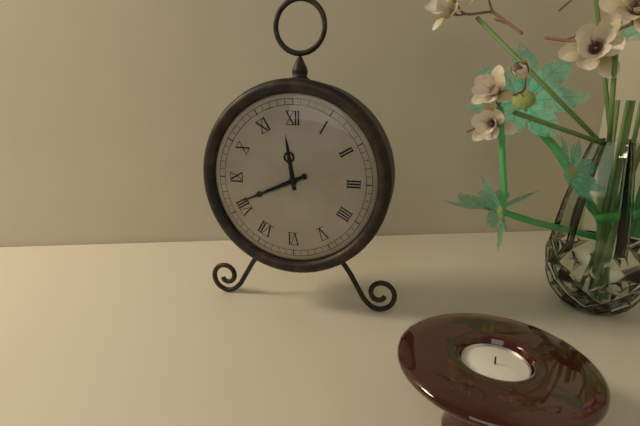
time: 11:41
